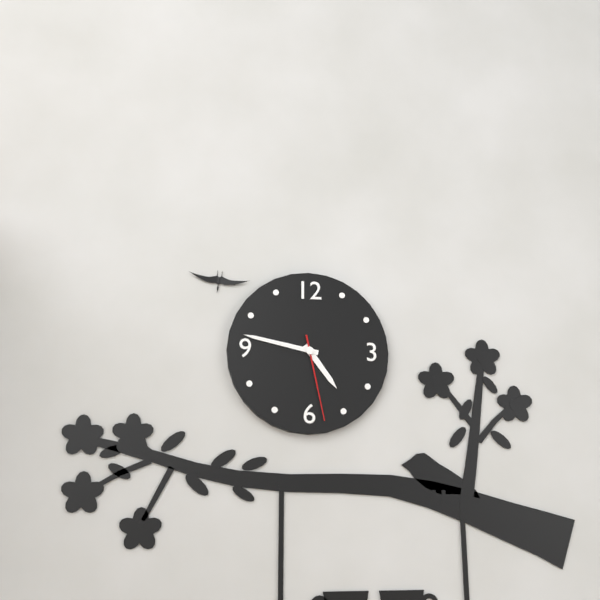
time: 4:47:28
